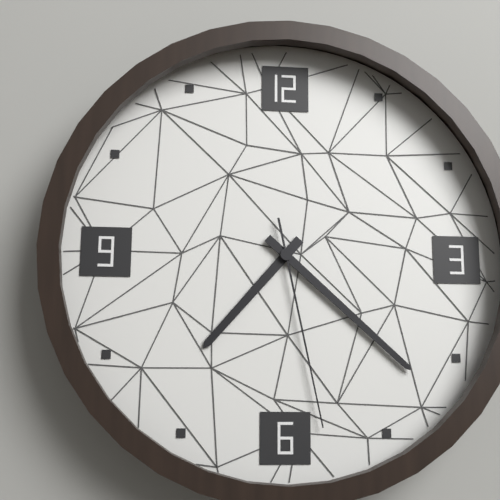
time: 7:22:28
